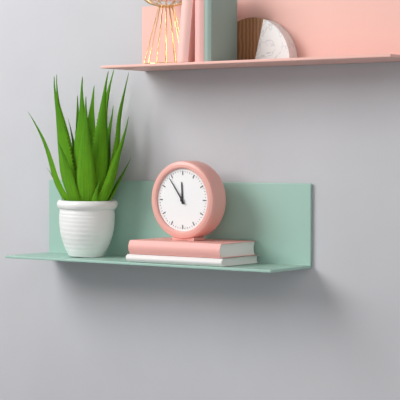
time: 11:54
